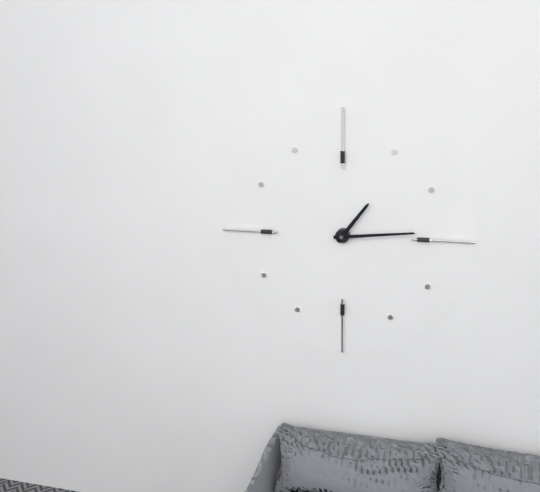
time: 1:14
